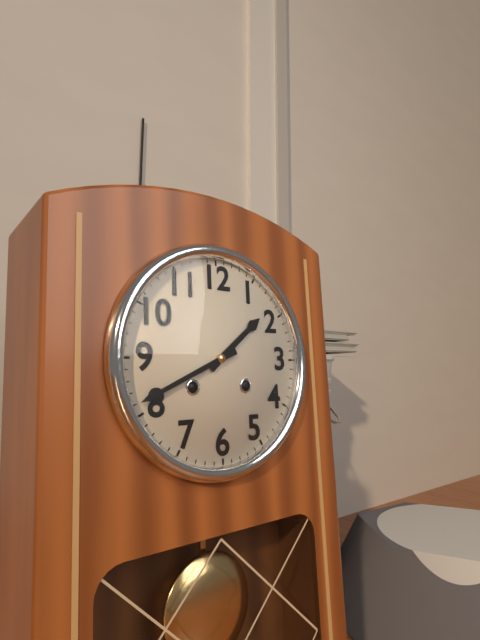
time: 1:41
